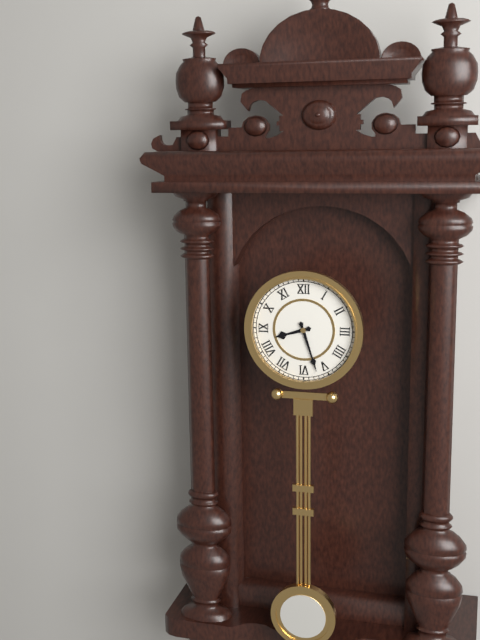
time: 8:27
